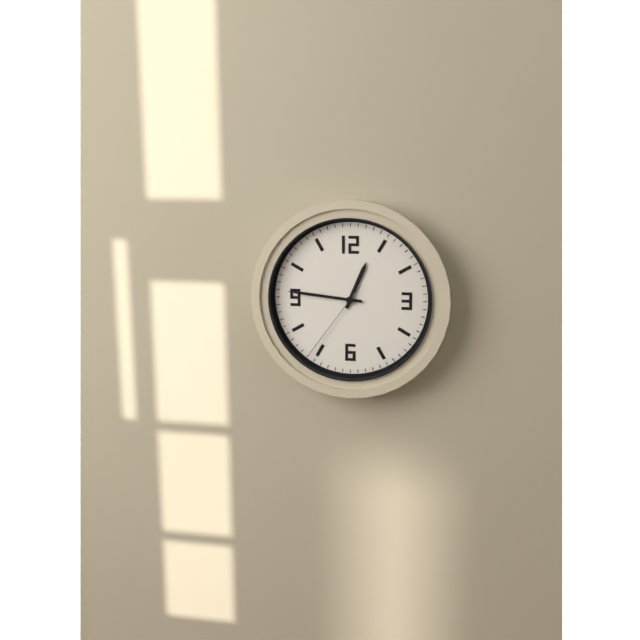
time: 12:46:36
